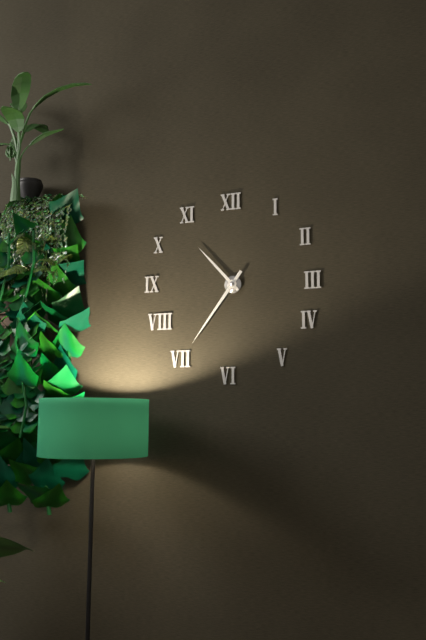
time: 10:36
